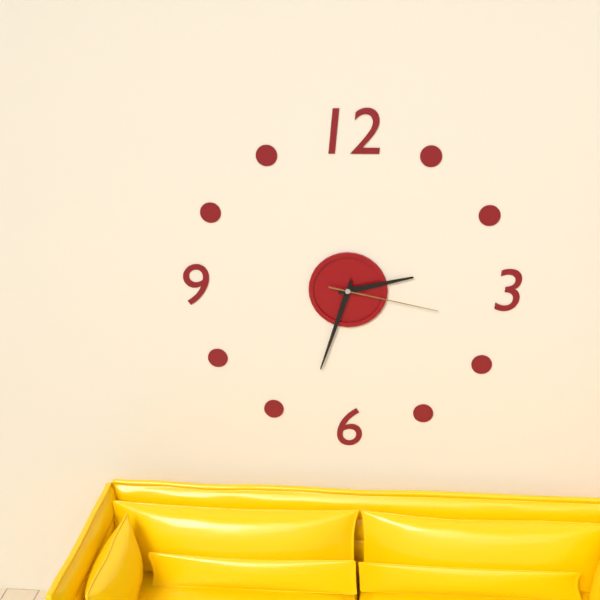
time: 2:33:17
